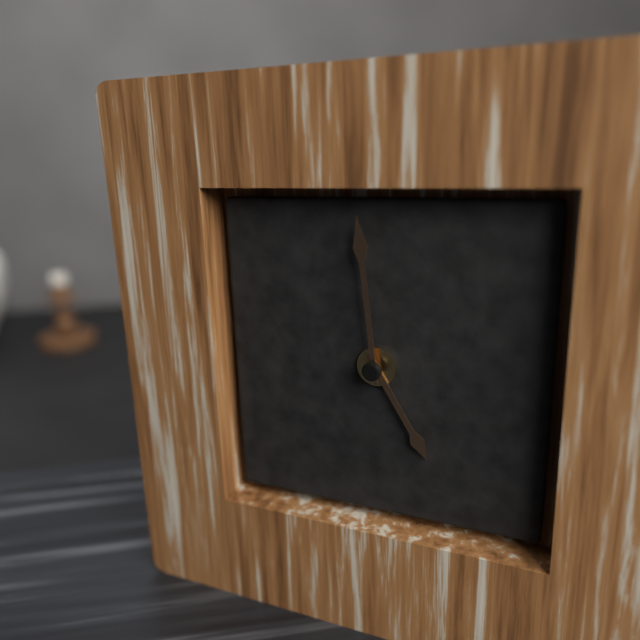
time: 4:59
